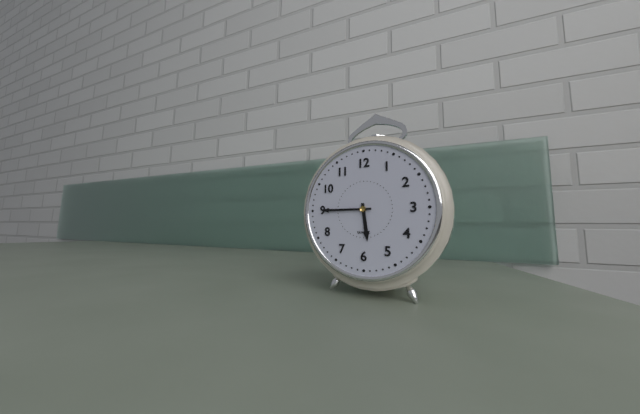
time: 5:45
